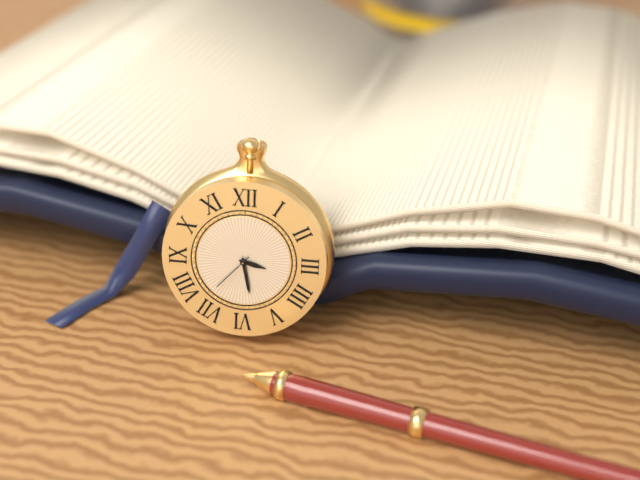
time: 3:28
